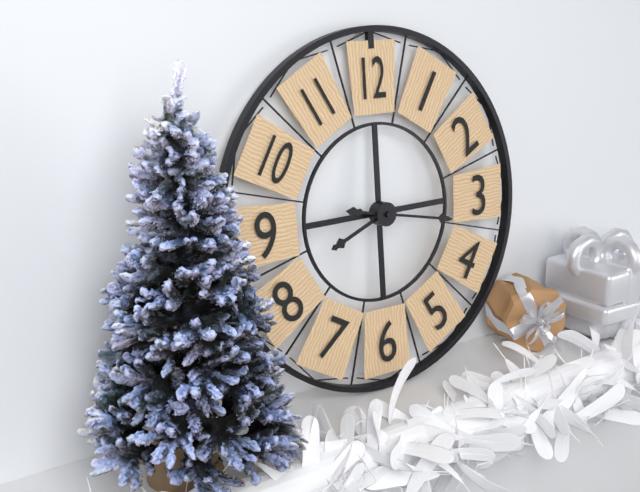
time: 8:17
